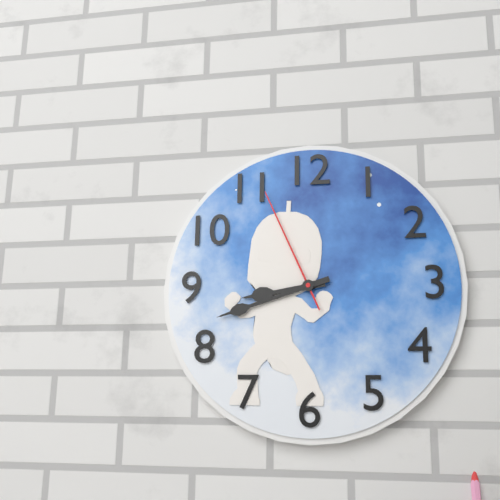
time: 8:42:56
